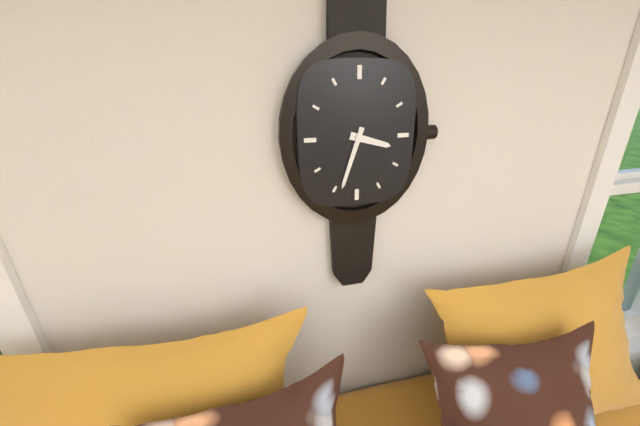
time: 3:33
